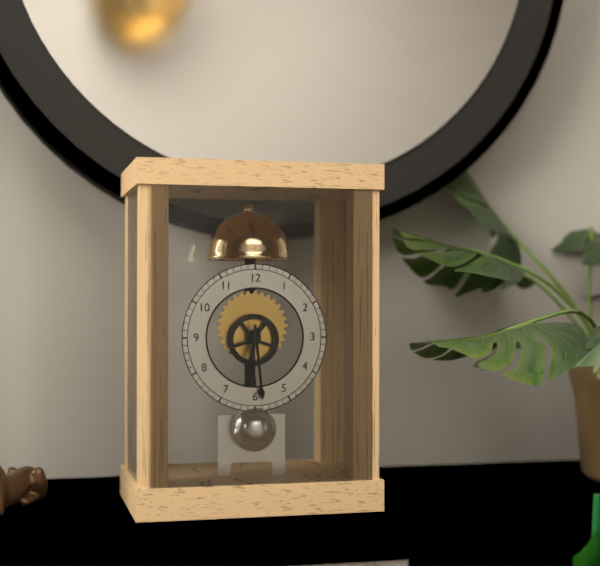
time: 6:29
